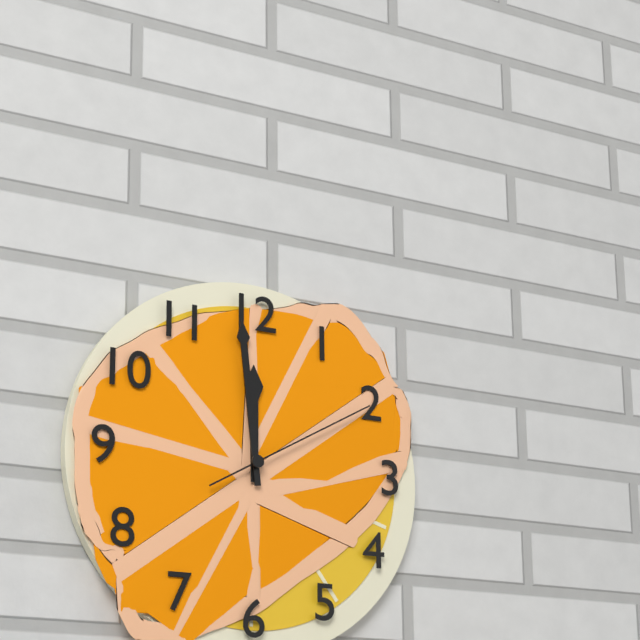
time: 11:59:10
